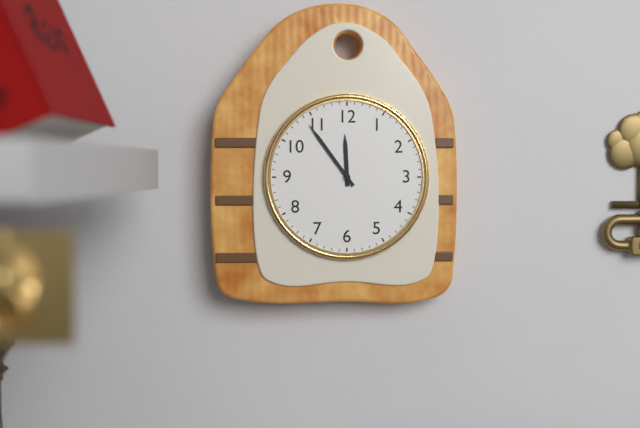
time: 11:54
